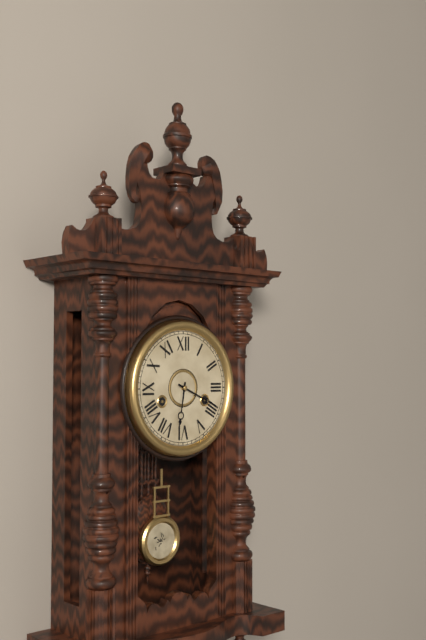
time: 6:19
